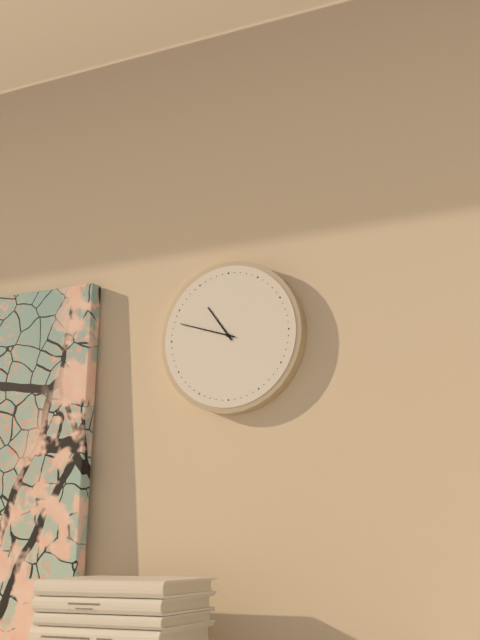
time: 10:48
